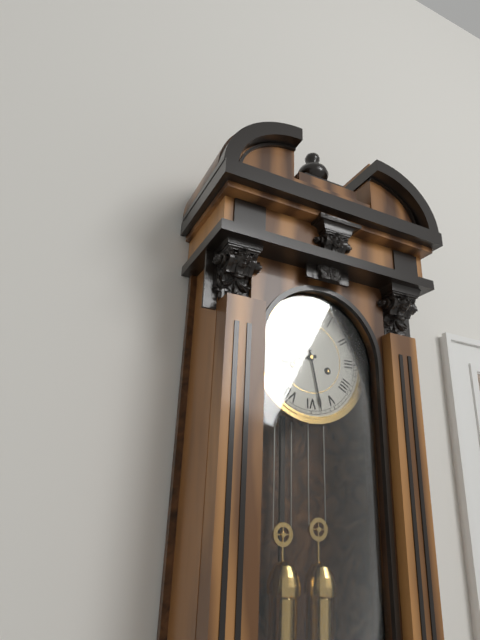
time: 8:28
